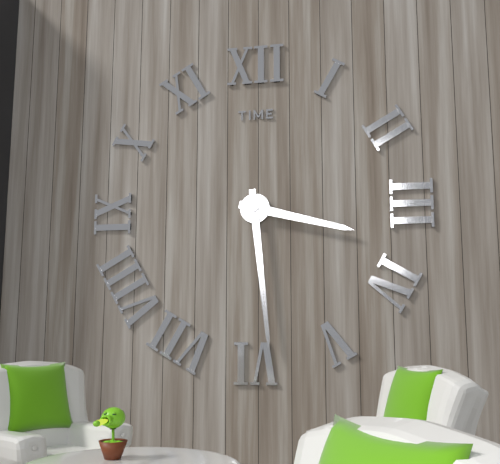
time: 3:29
